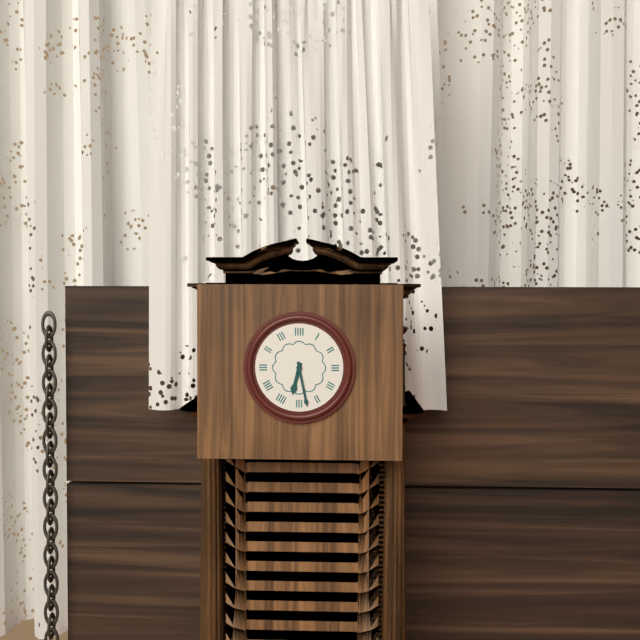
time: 6:28
